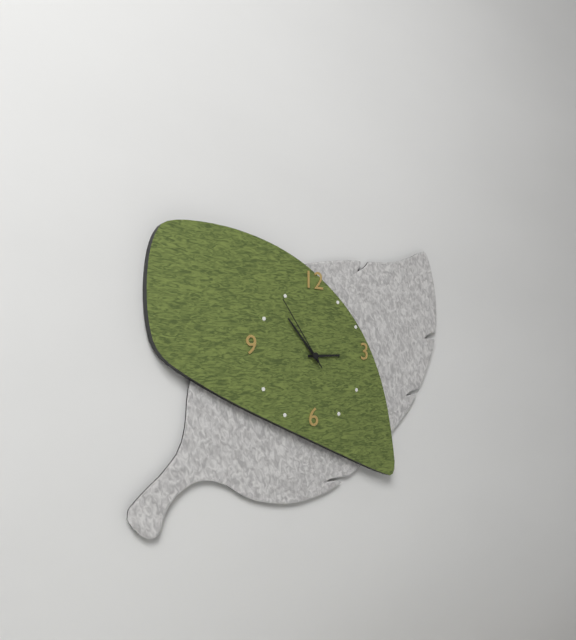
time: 2:53:54
